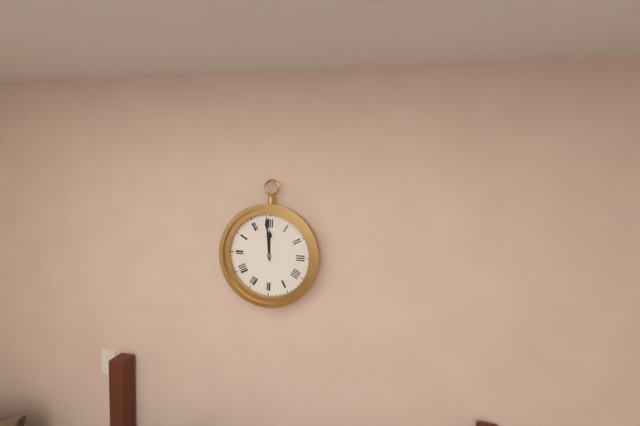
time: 11:59
